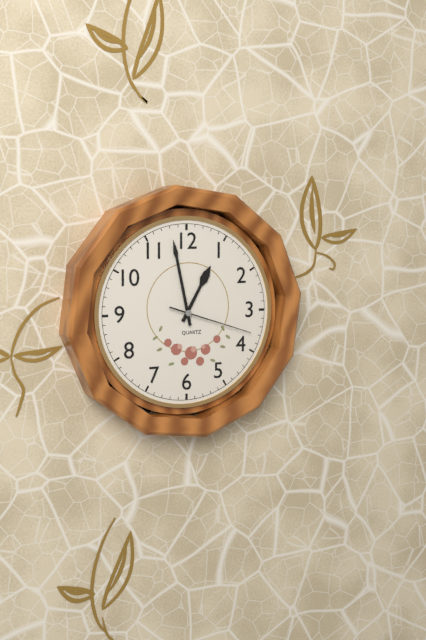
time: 12:58:18
